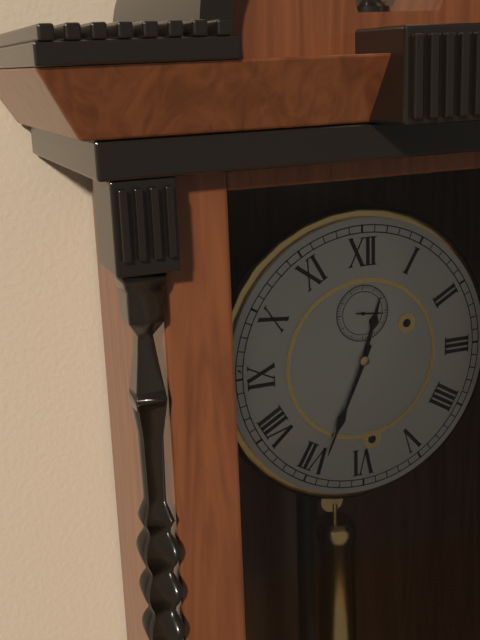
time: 12:34
